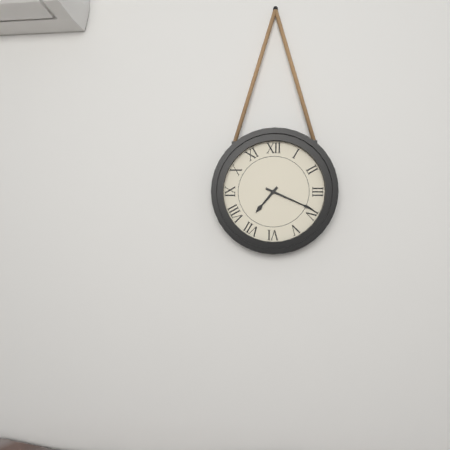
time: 7:19
